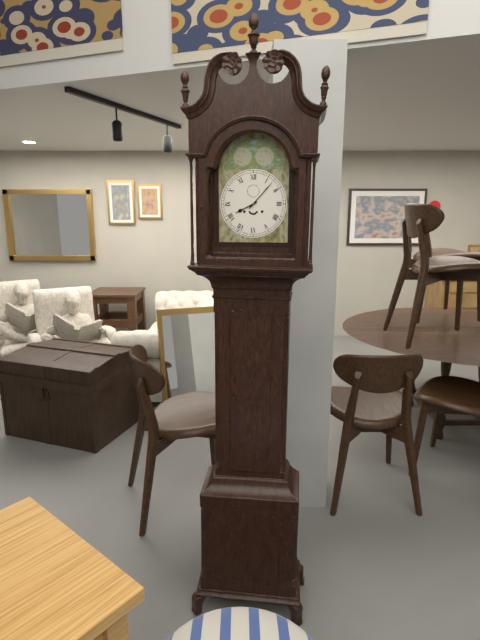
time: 8:07
